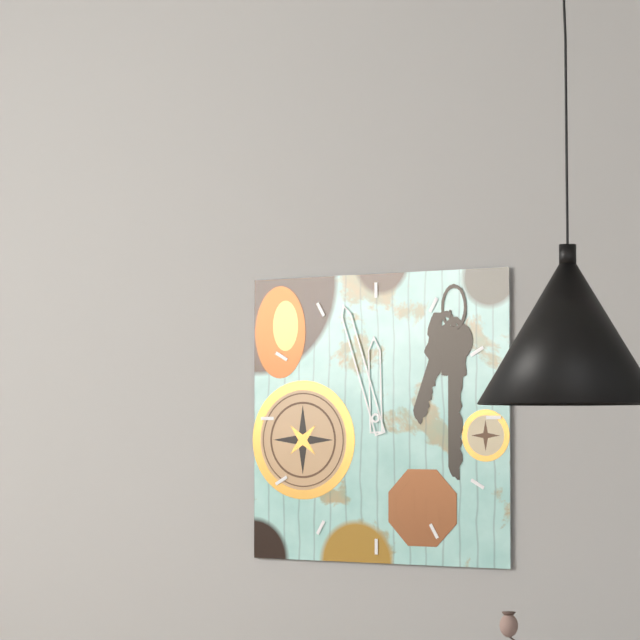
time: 11:57
